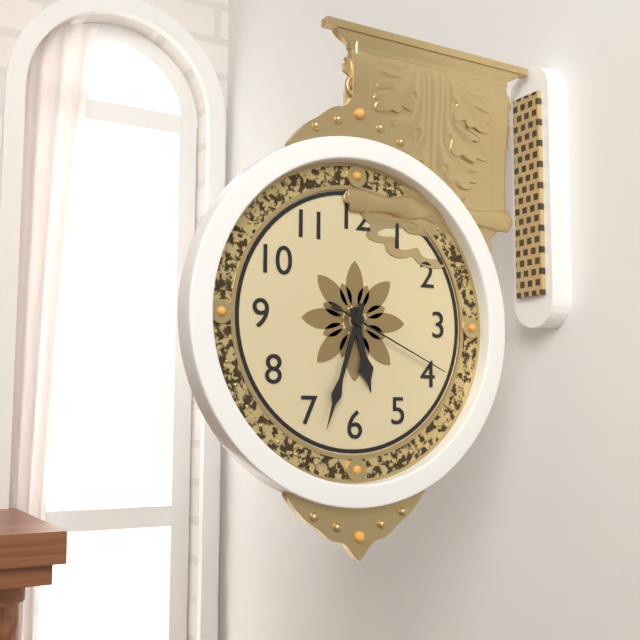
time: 5:33:19
